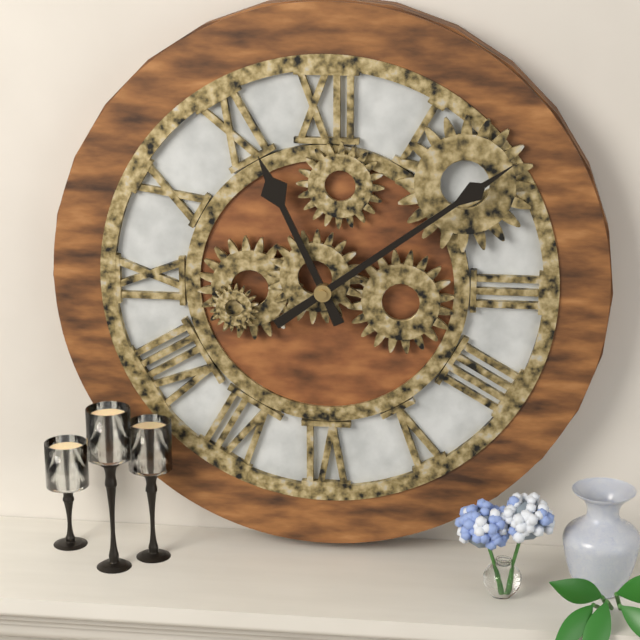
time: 11:09
